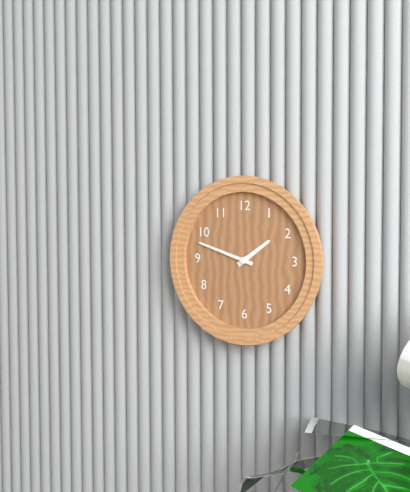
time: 1:48
